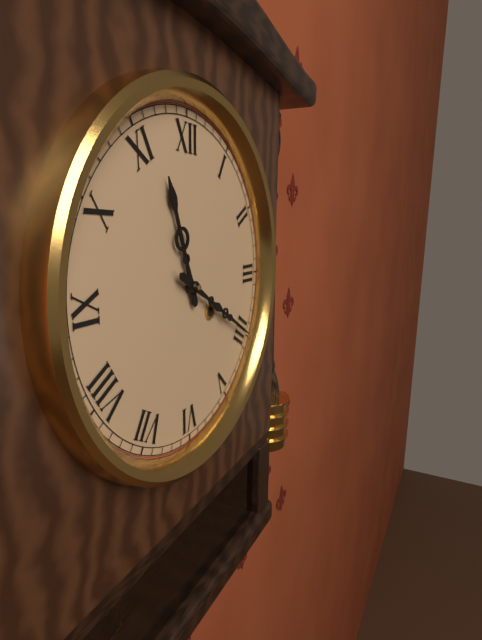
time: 11:20
